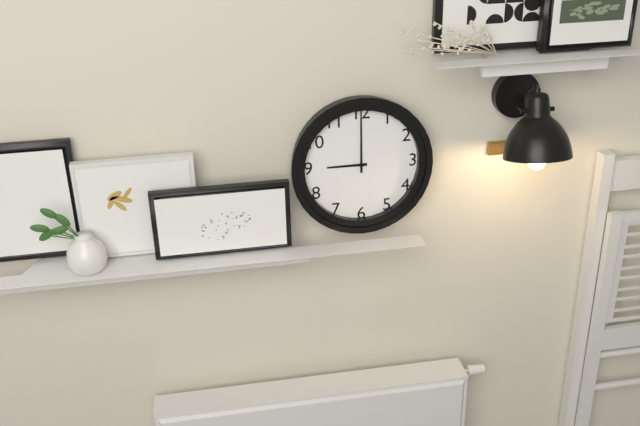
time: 9:00
